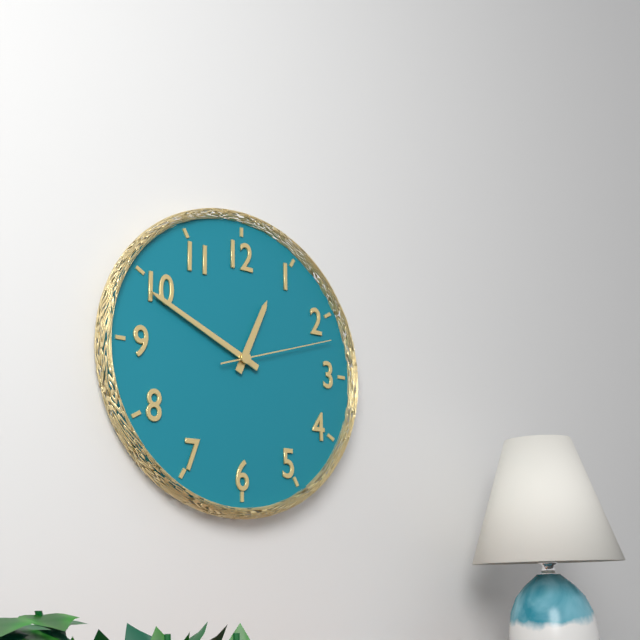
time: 12:49:12
